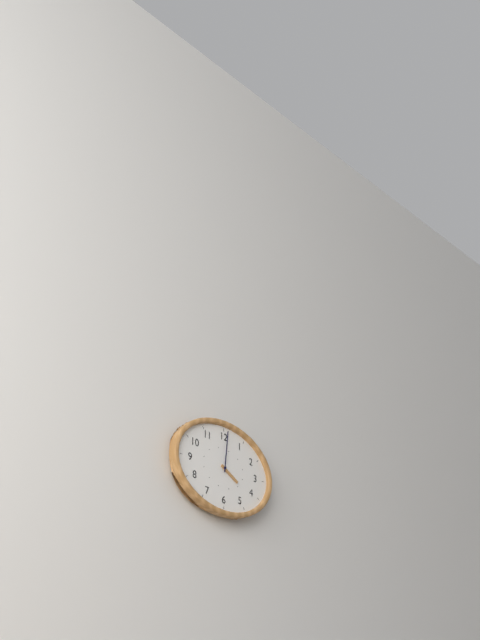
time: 4:01
